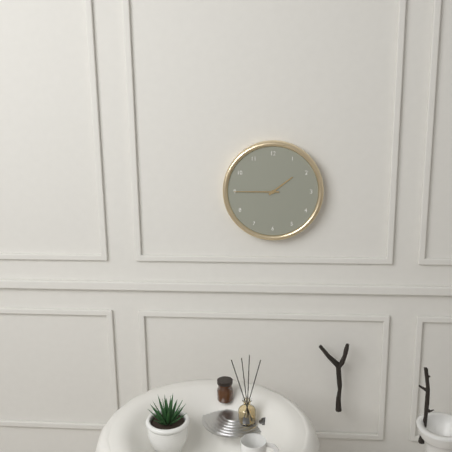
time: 1:45
